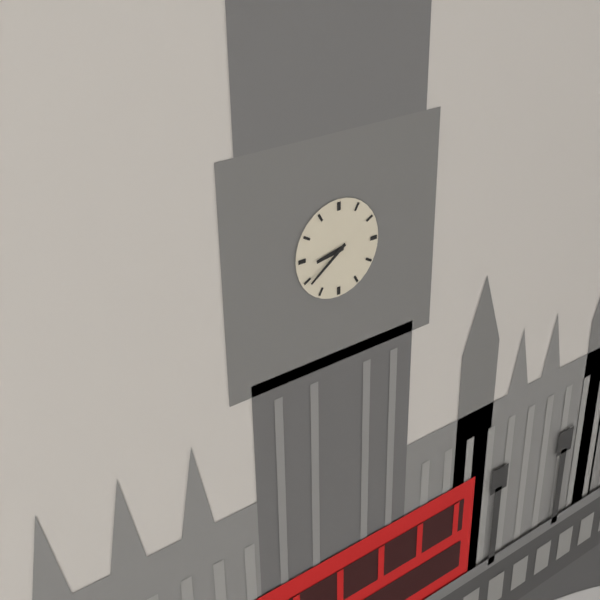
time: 8:39
